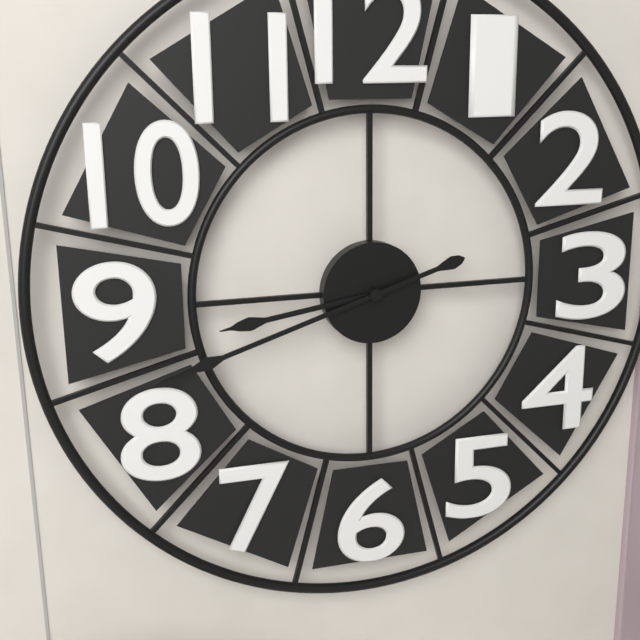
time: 8:42
